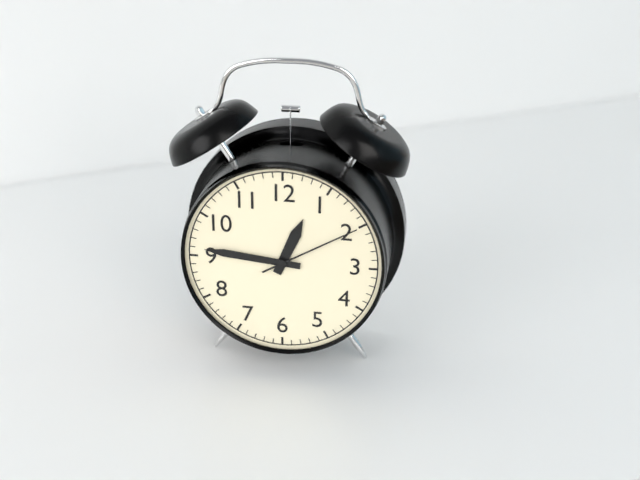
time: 12:46:10
